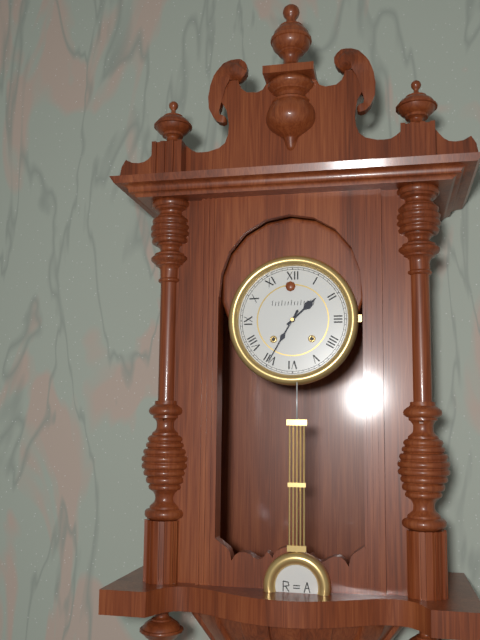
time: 1:35
